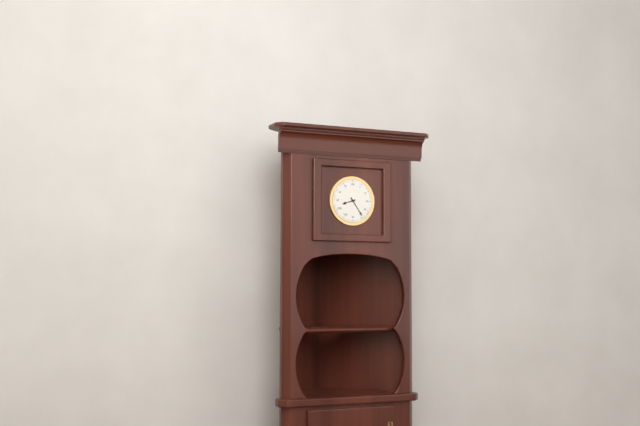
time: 8:24
